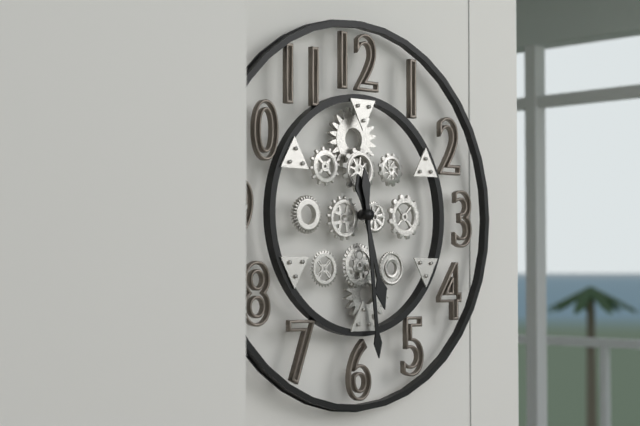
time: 5:29
